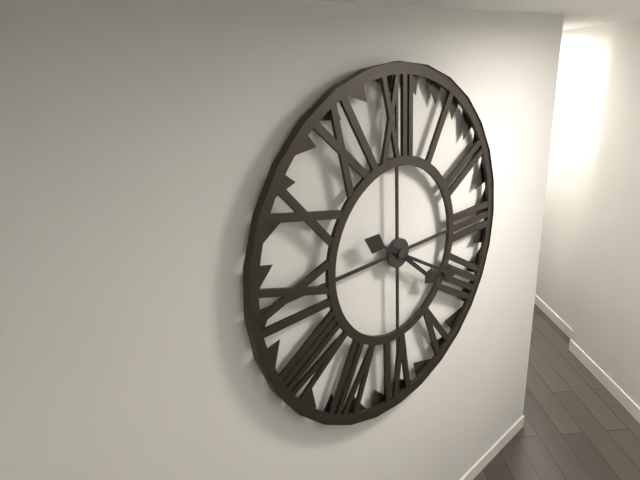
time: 4:20
